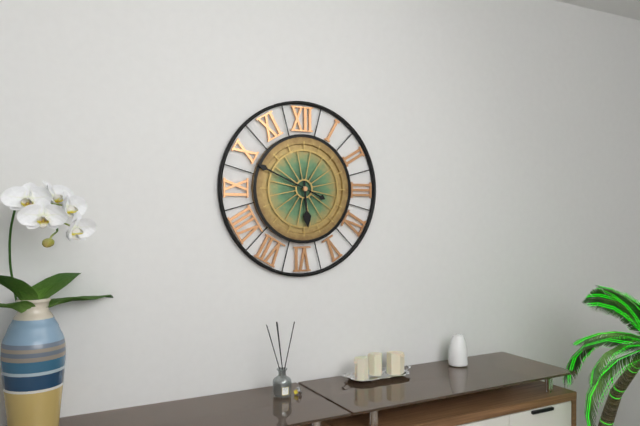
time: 5:49
